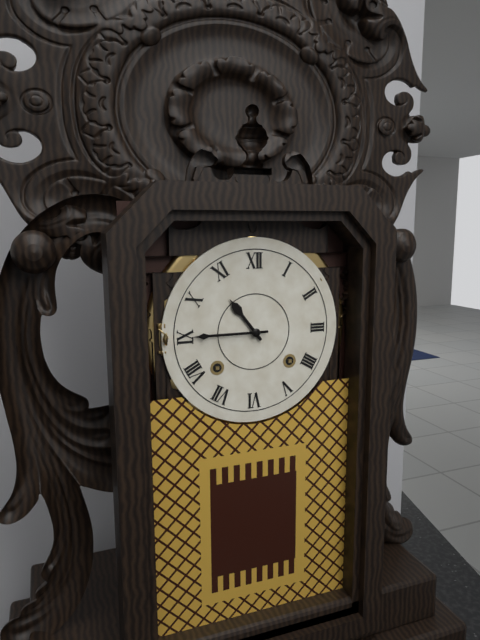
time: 10:45
